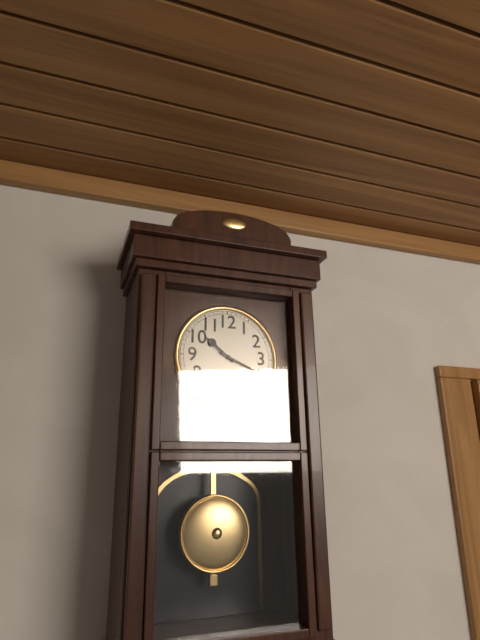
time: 10:19
